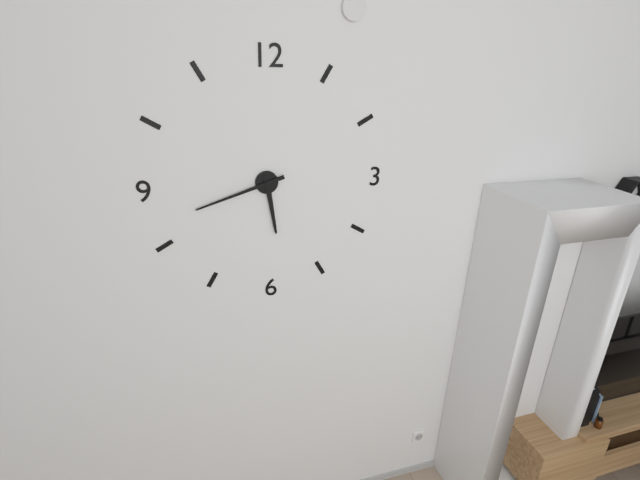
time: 5:42
